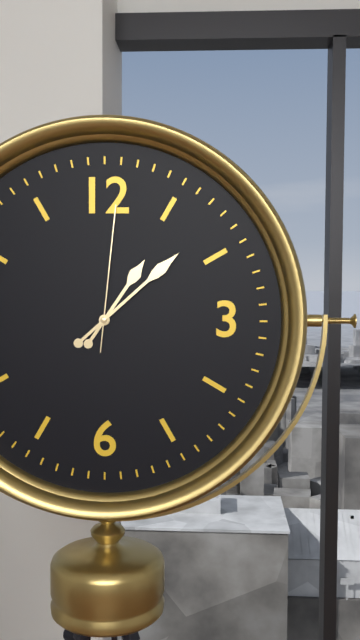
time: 1:08:01
